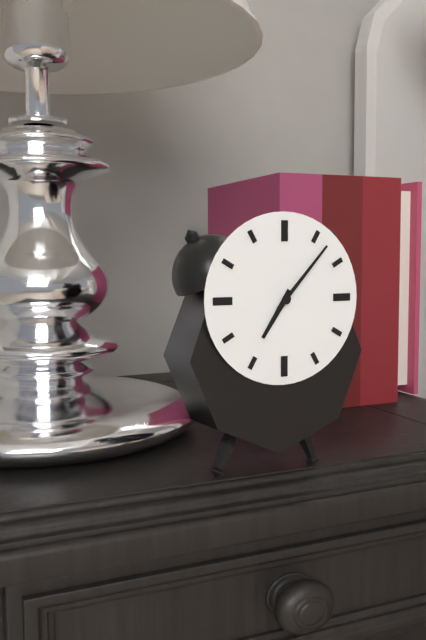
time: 7:07
